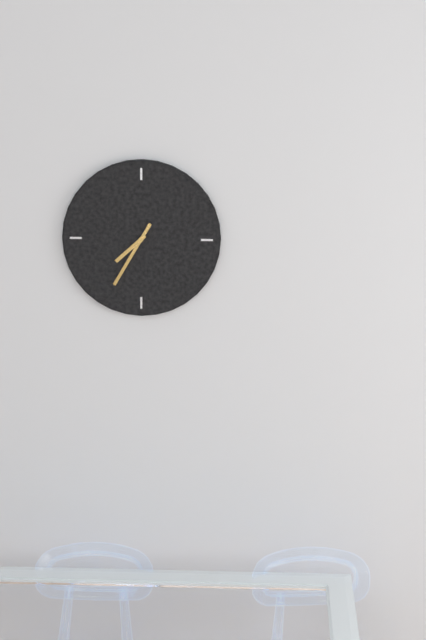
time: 7:35
